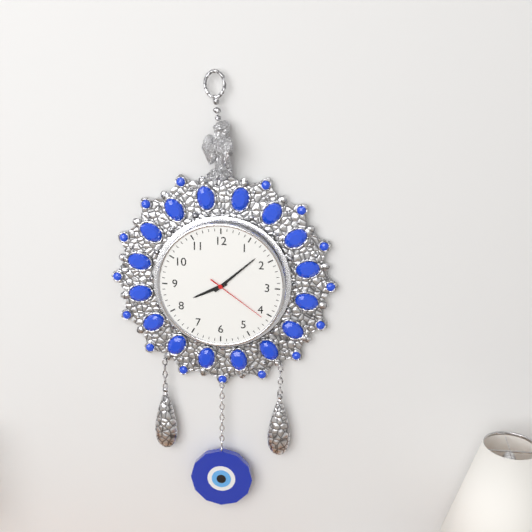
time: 8:08:21
